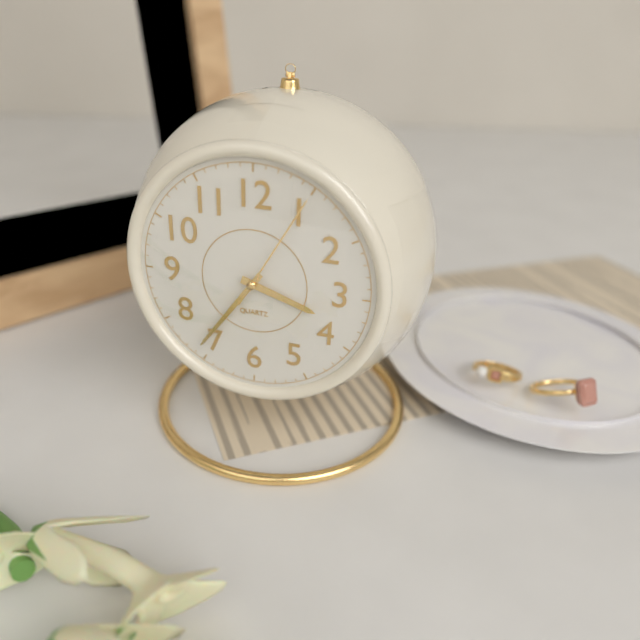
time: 3:36:05
